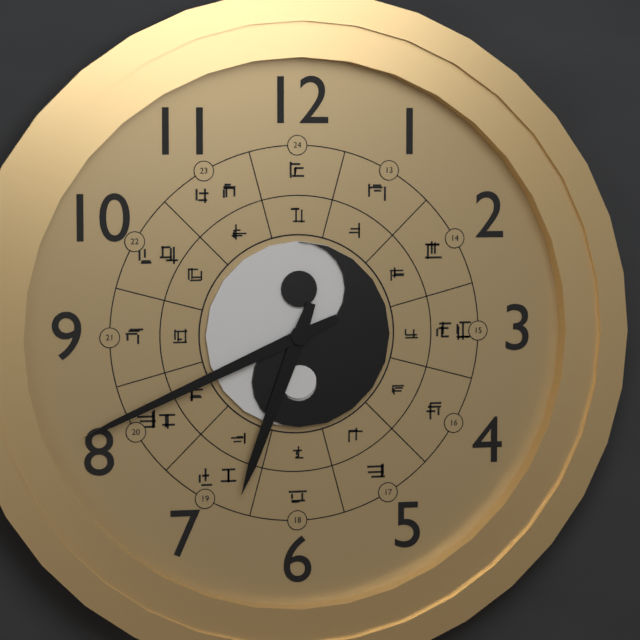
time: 6:41
